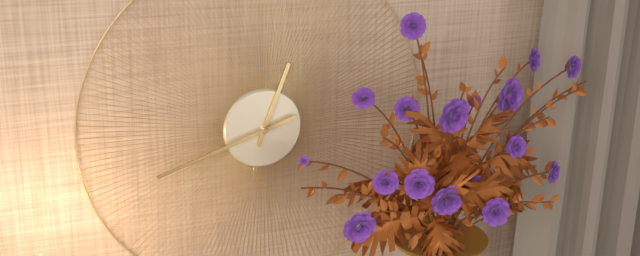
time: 12:42
